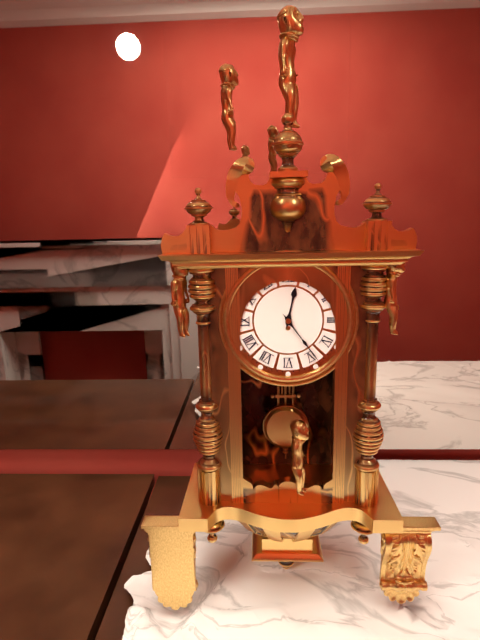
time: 12:24
